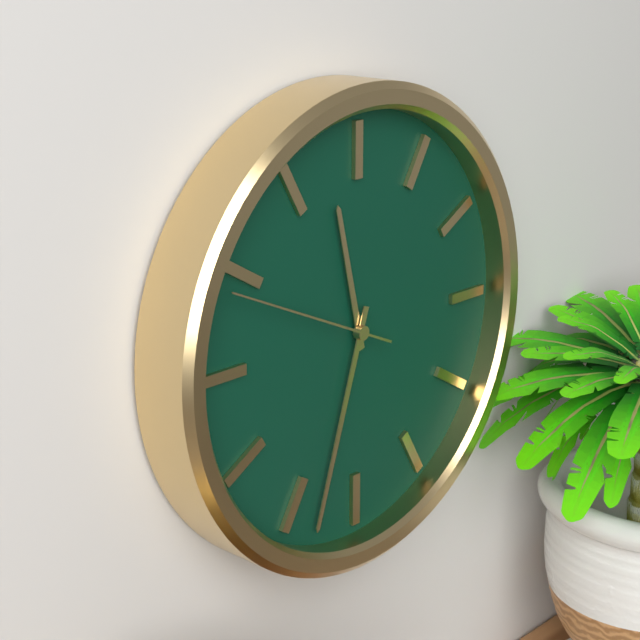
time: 11:33:49
